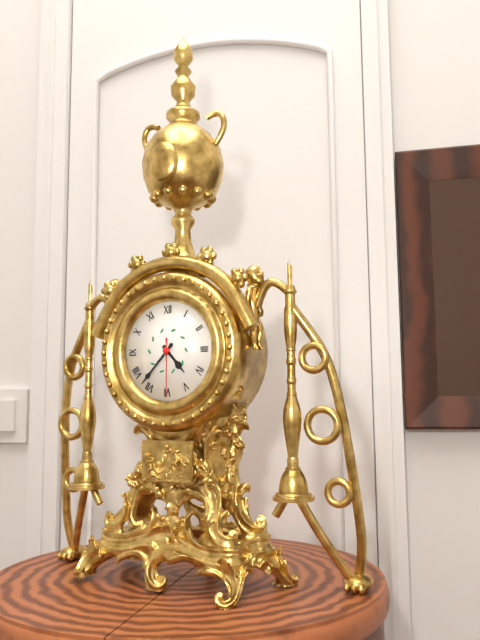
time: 4:37:30
